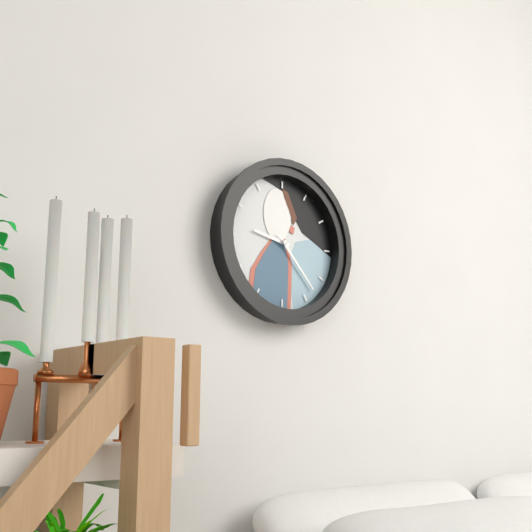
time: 9:23
